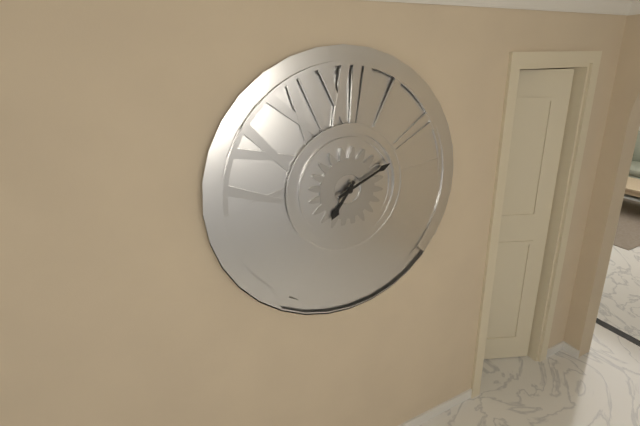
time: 7:11
